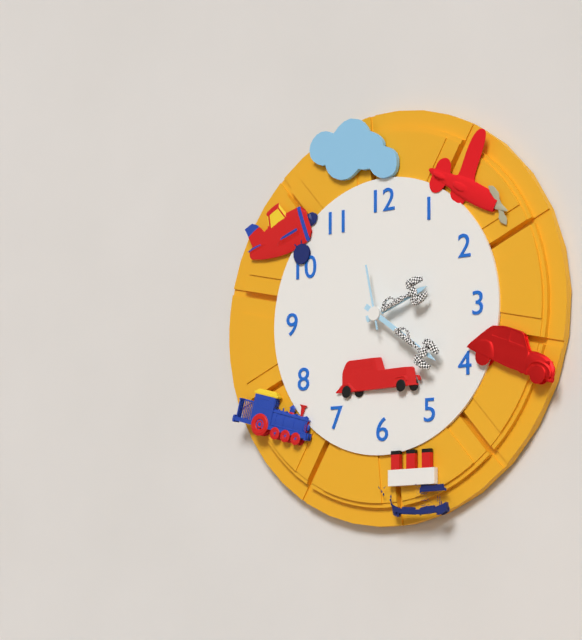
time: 2:21:58
